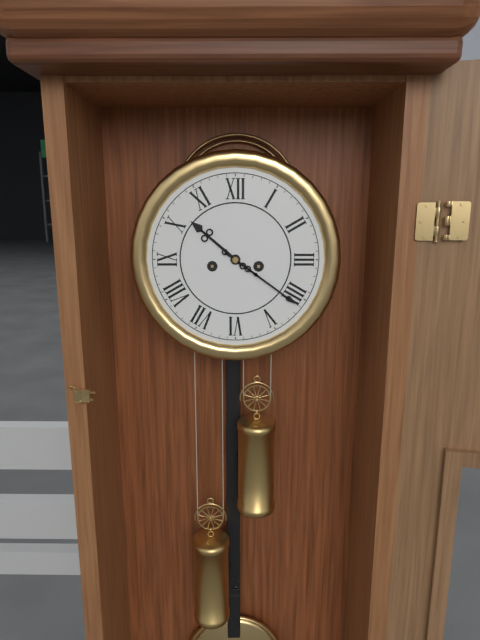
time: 10:21
